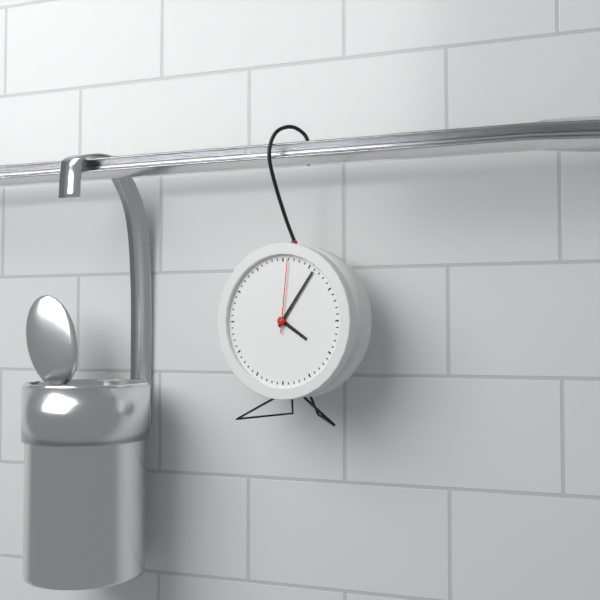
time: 4:06:01
